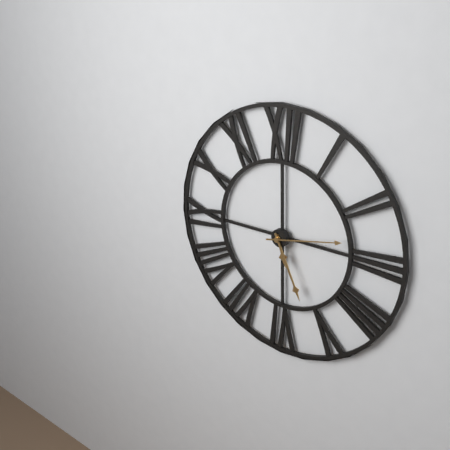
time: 5:26:13
